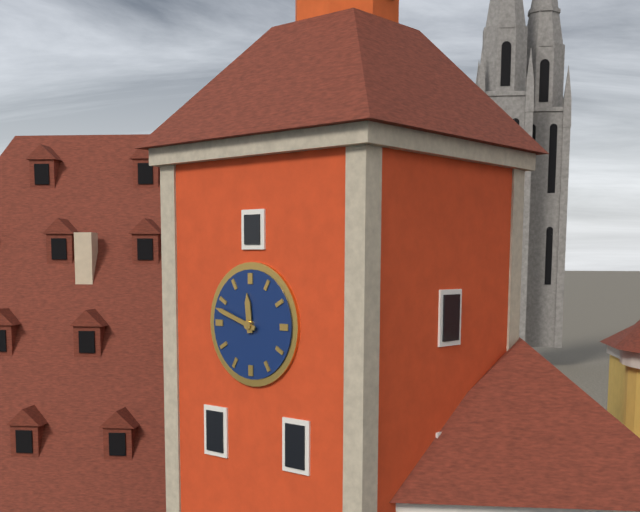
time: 11:48
